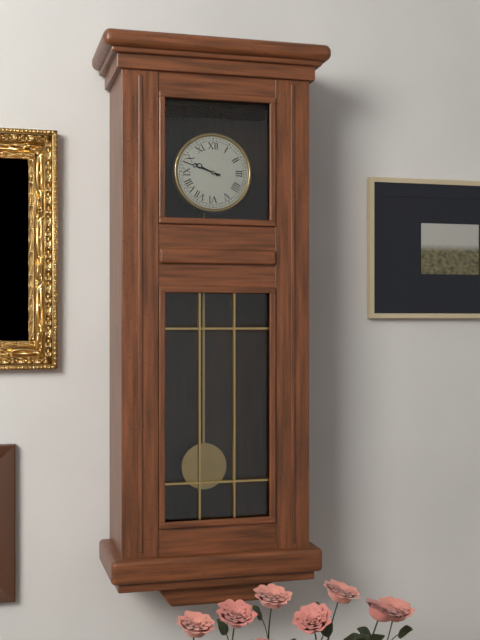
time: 9:48
